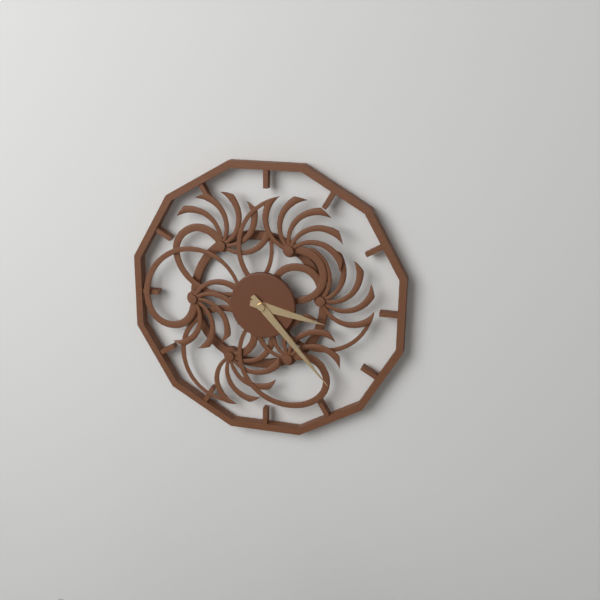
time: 3:23
